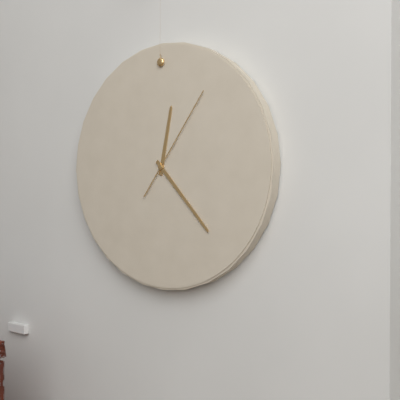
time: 12:23:06
